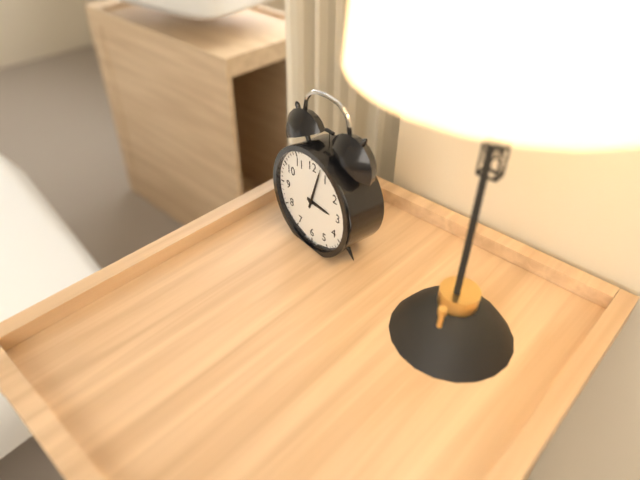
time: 3:03
